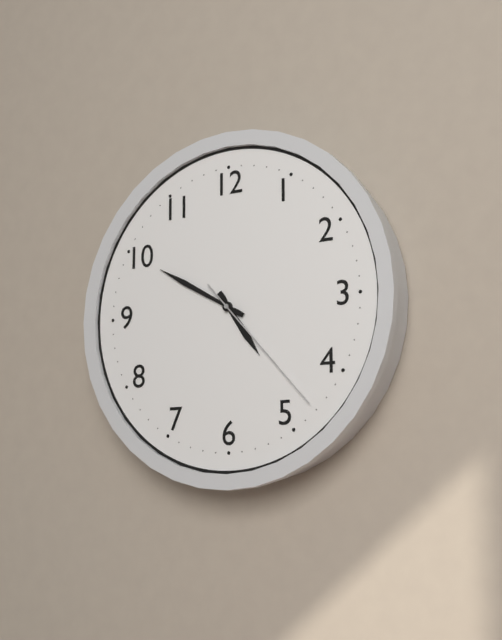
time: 4:50:23
